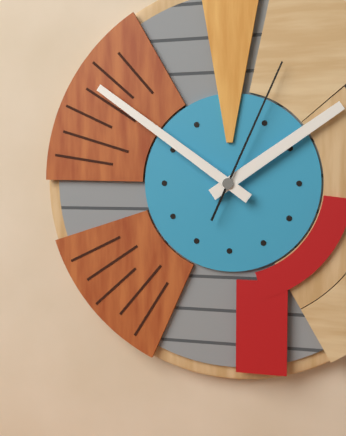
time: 1:51:04
